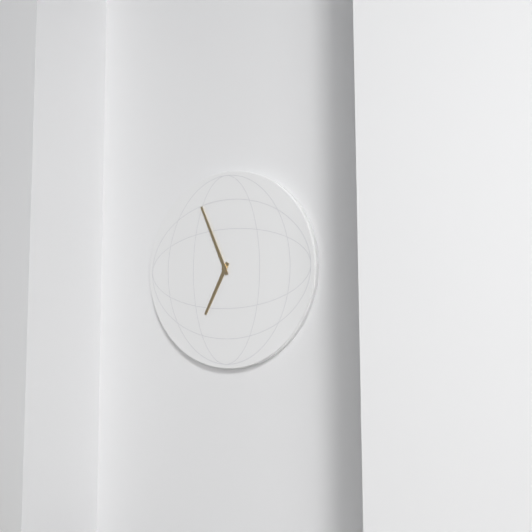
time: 6:56
